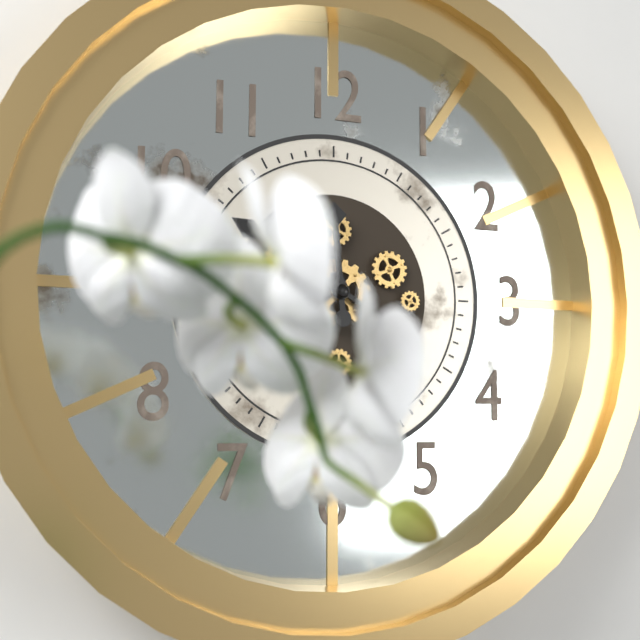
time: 11:50
